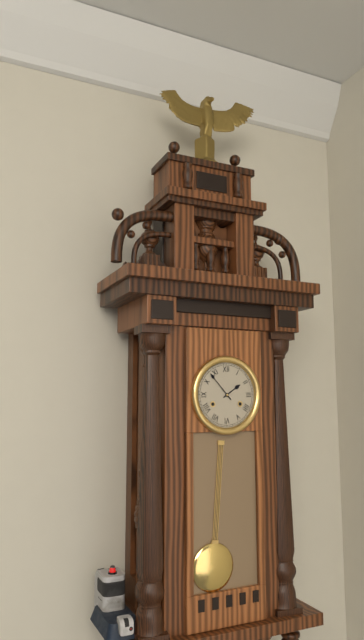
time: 1:53
